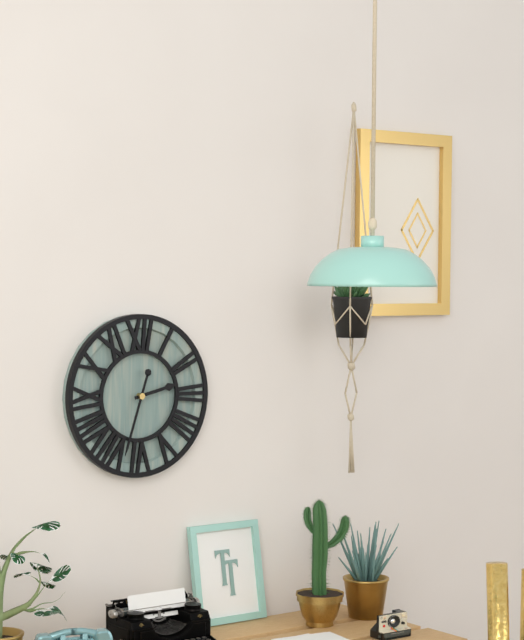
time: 2:33
